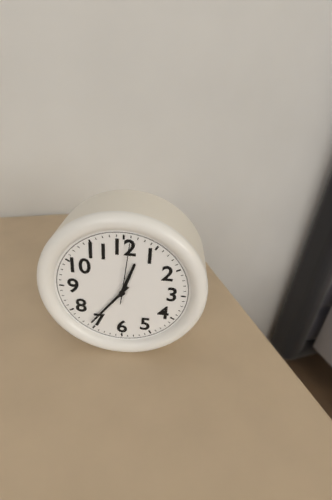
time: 12:36:01
